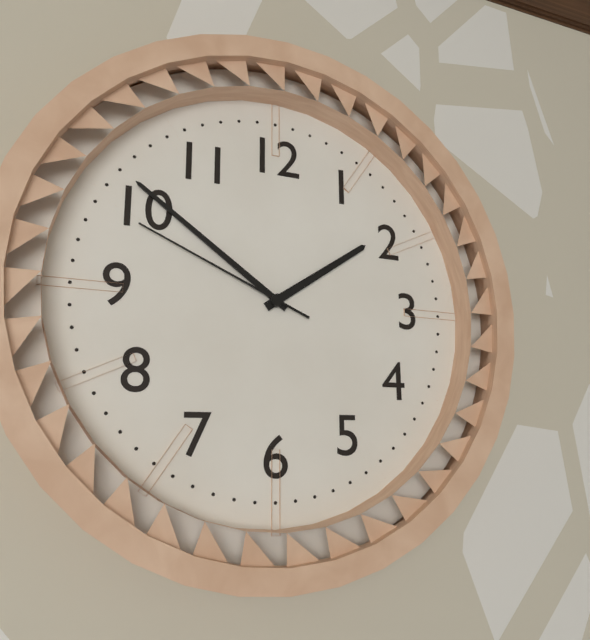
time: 1:51:49
